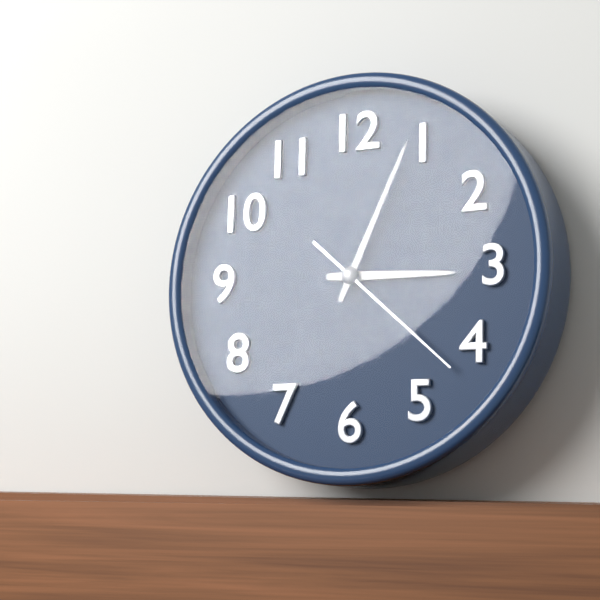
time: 3:04:22
